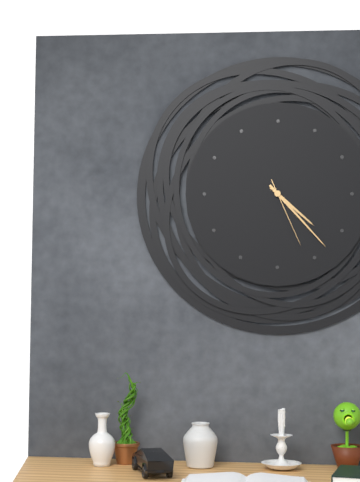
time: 4:23:26
